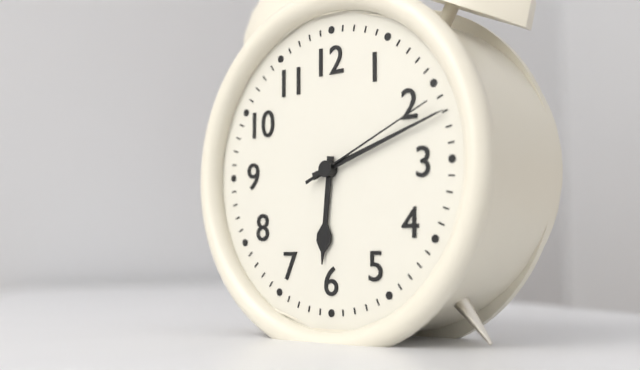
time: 6:12:11
